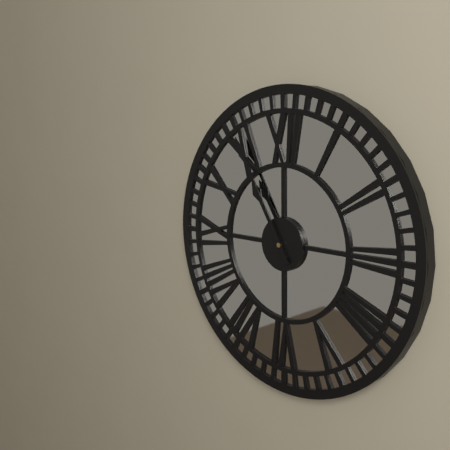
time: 10:55
